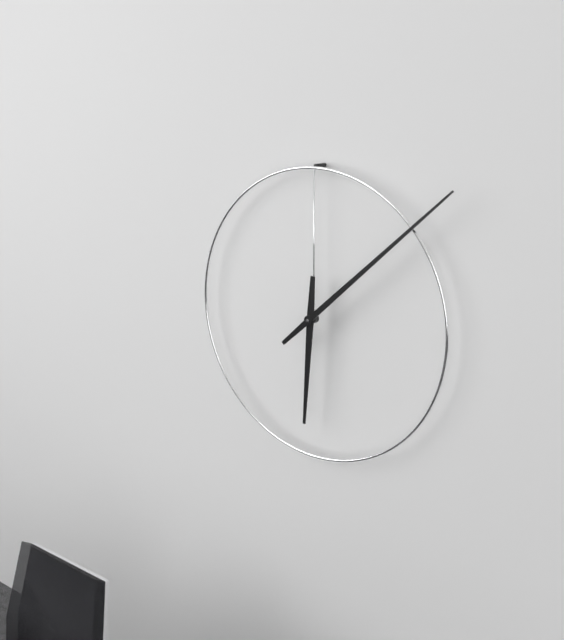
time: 6:08
